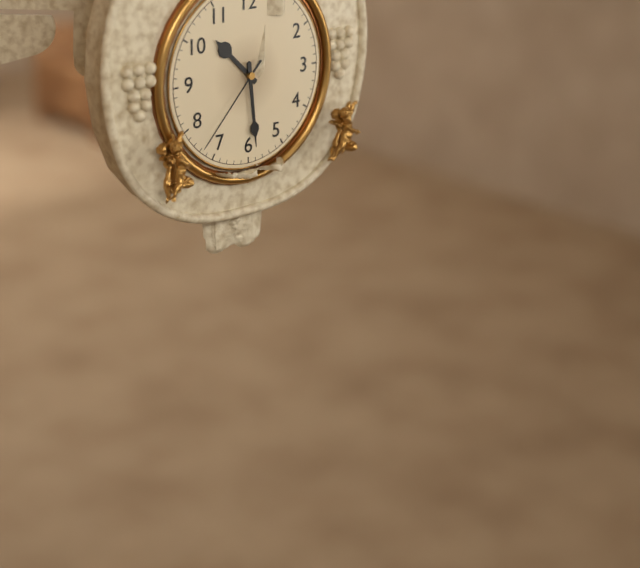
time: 10:29:37
